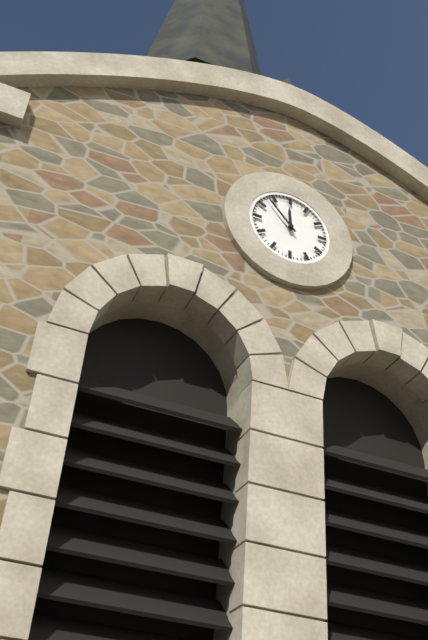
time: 11:53
